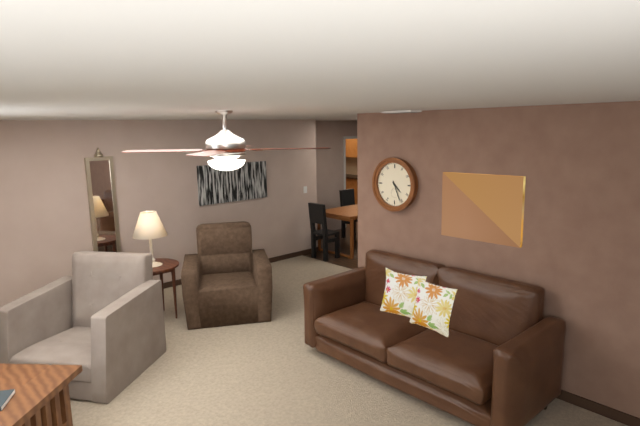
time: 4:26
